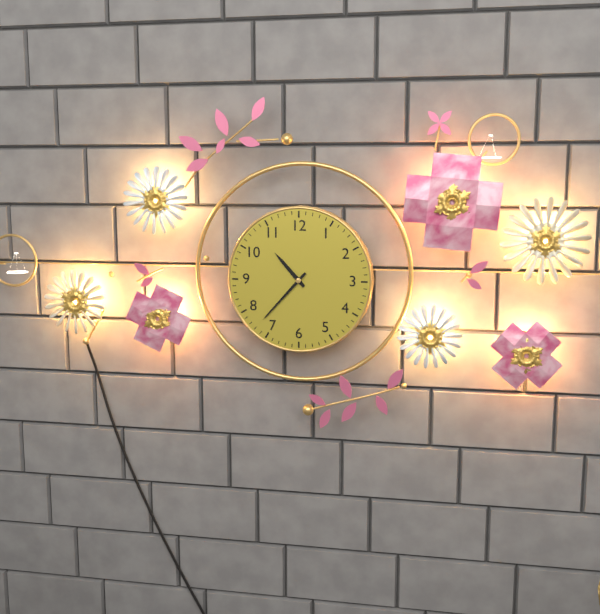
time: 10:37
